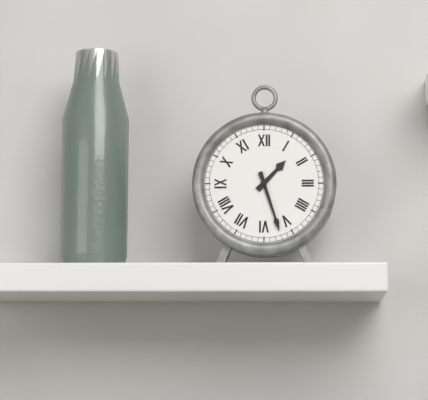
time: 1:27
